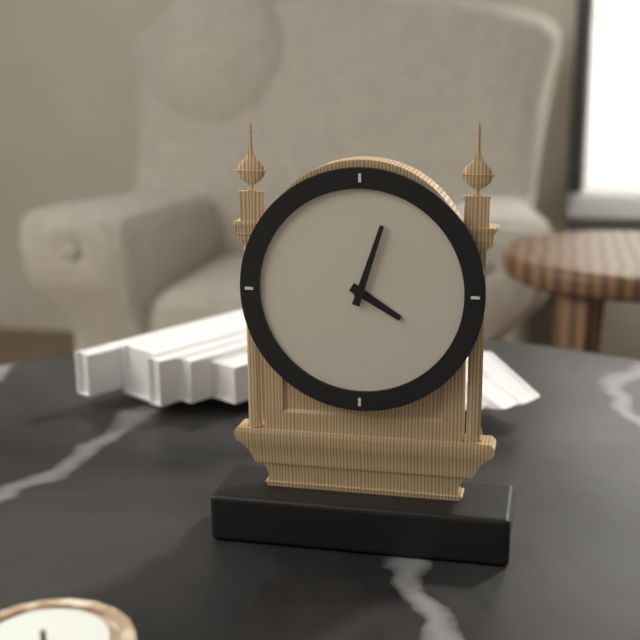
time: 4:03
